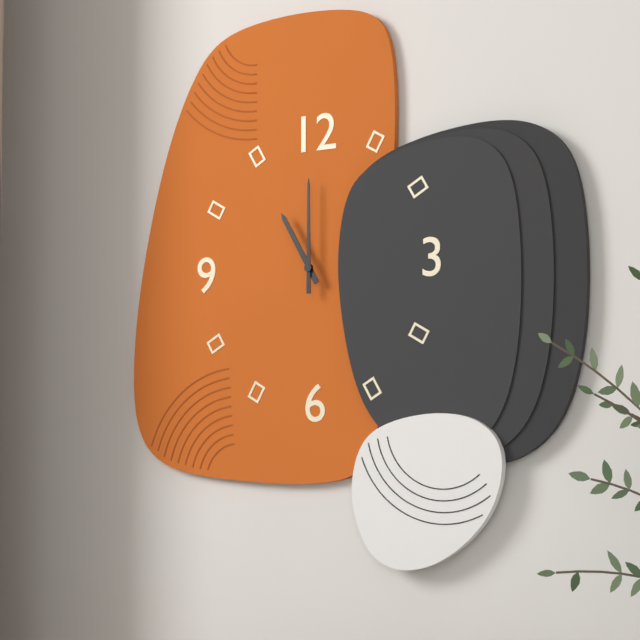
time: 11:00
